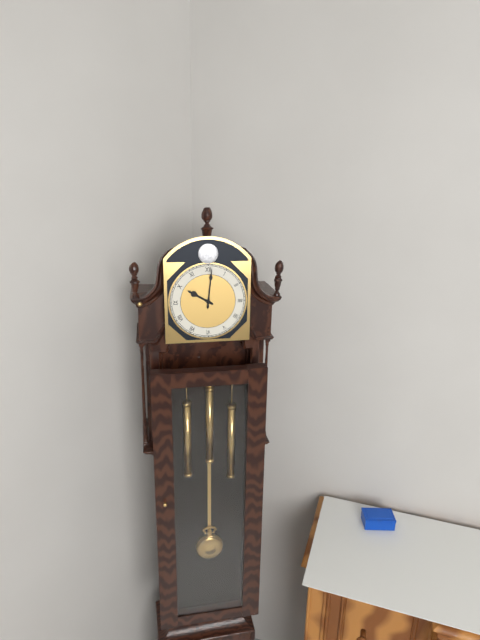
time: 10:01
